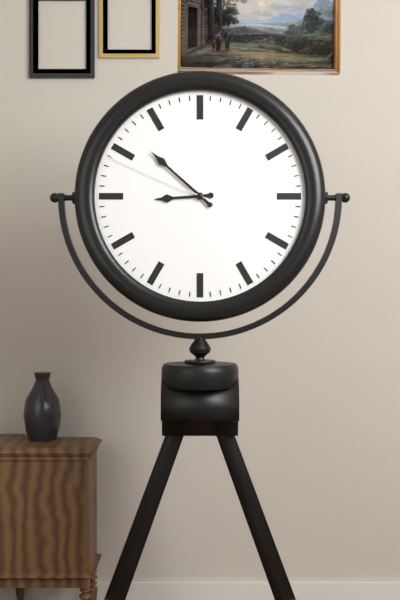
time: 8:52:49
